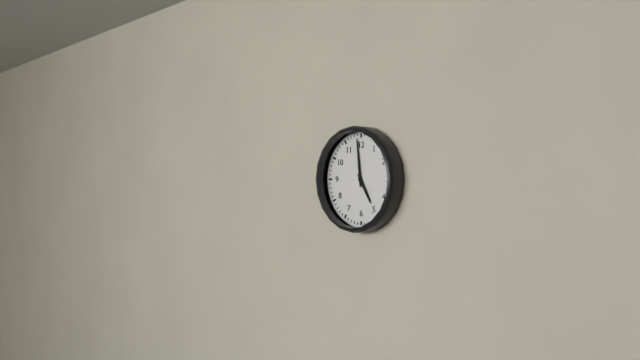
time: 4:59
